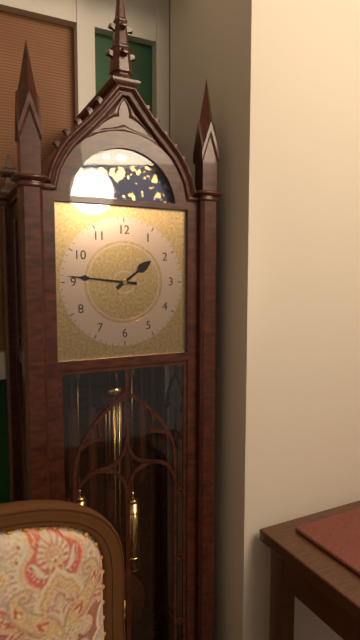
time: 1:46
